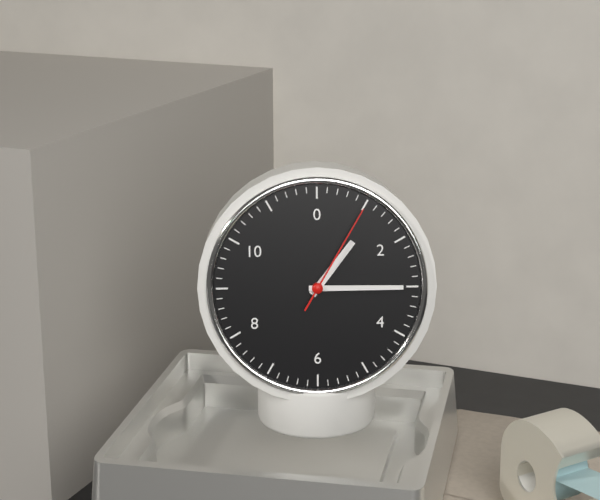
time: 1:15:05
